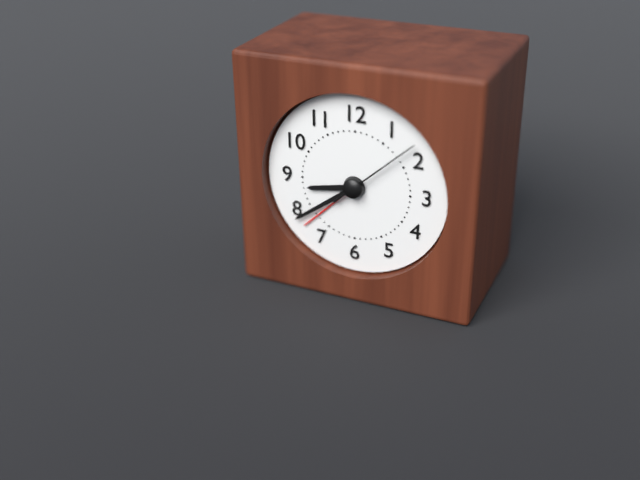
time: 8:39:08
